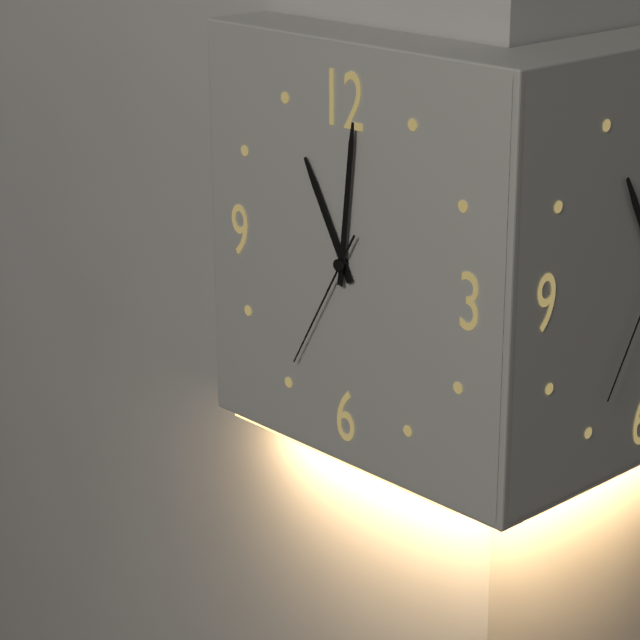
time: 11:01:35
